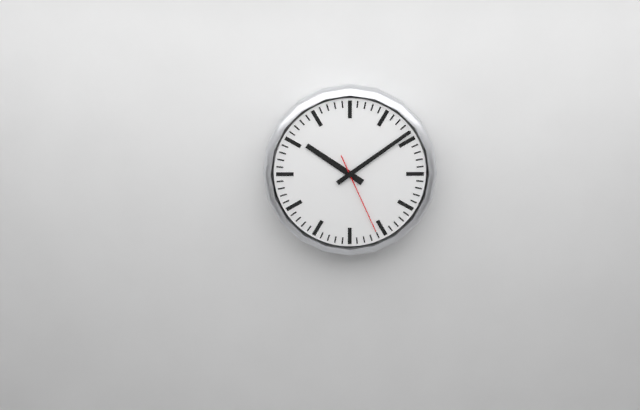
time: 10:09:26
